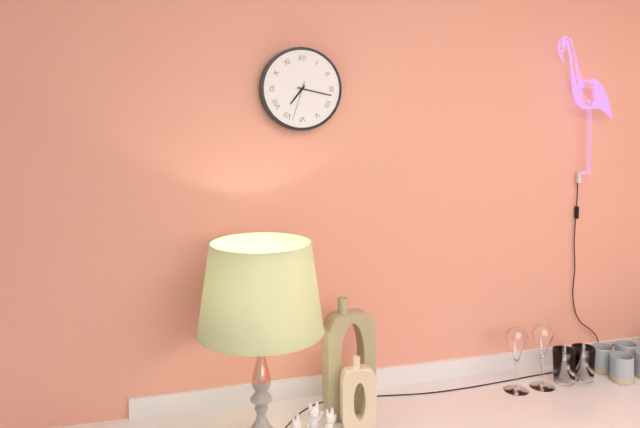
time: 7:17
